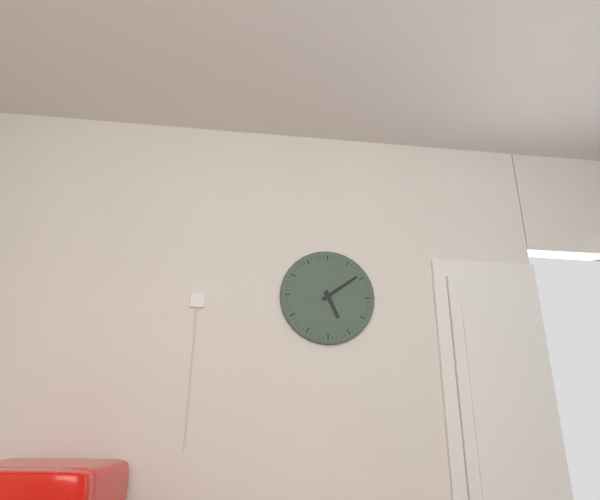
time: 5:09
